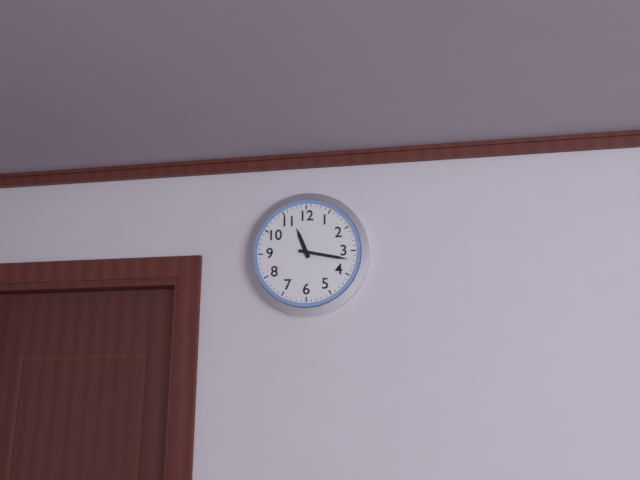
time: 11:17
